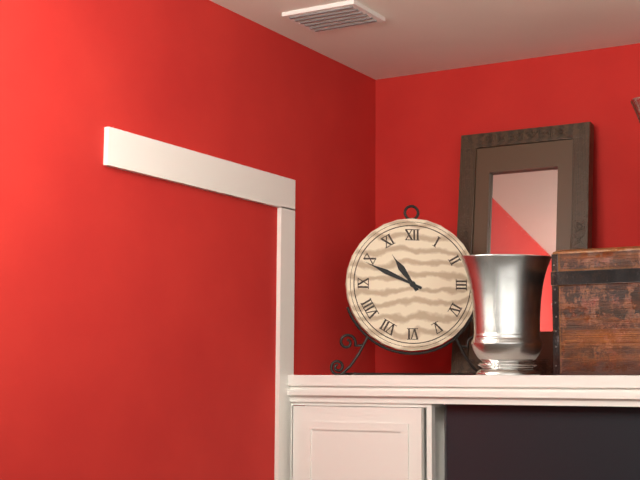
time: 10:49
